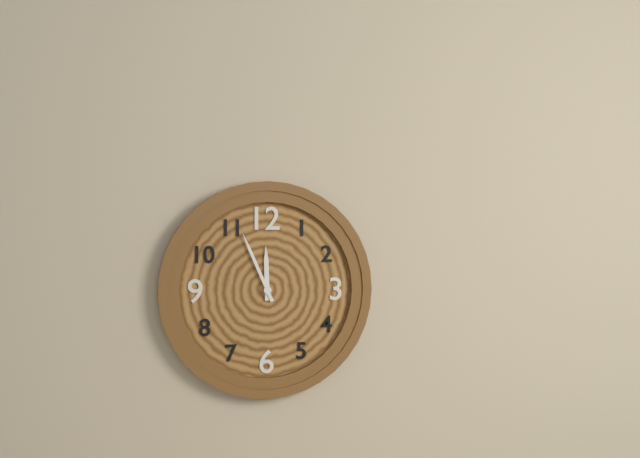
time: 11:56
